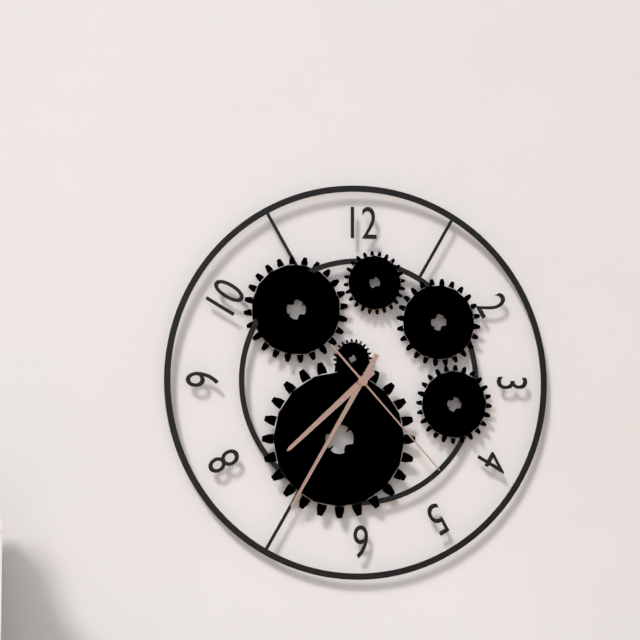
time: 7:35:23
